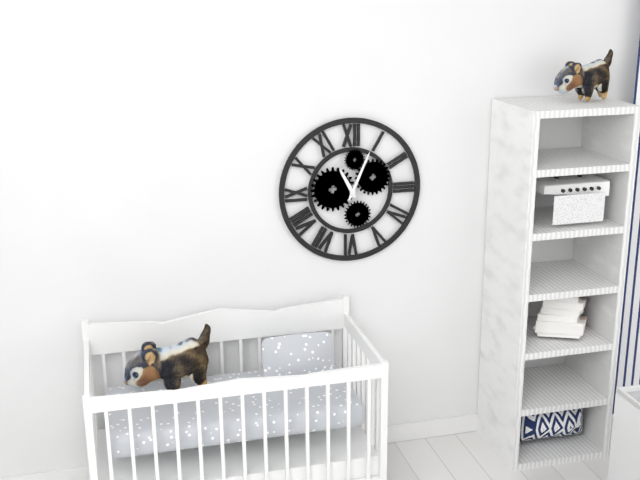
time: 11:04
